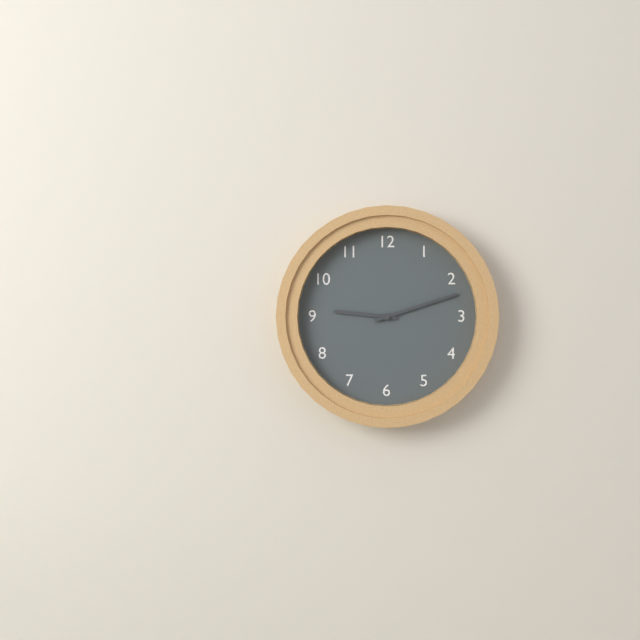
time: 9:12
